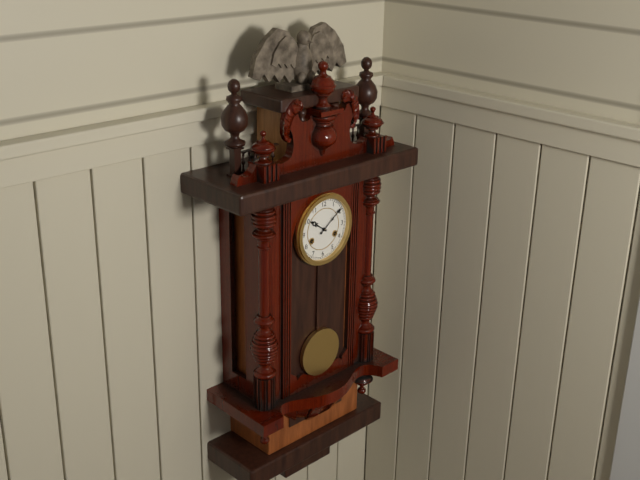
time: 10:09
